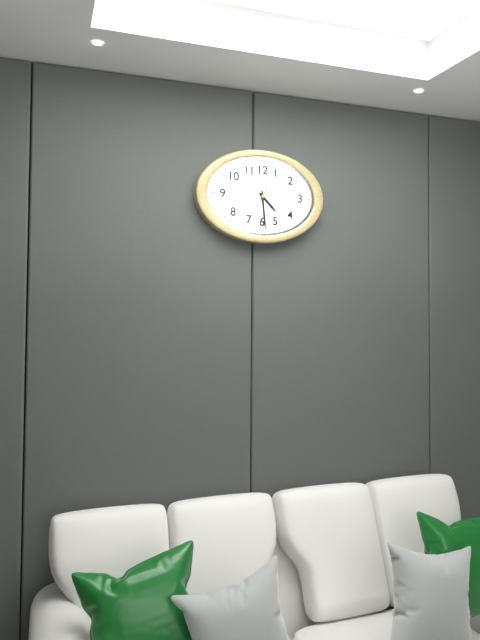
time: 4:29
